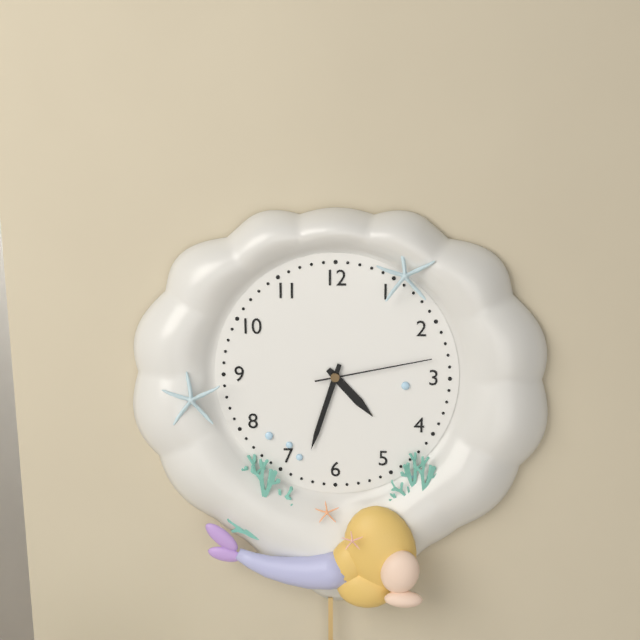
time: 4:33:13
